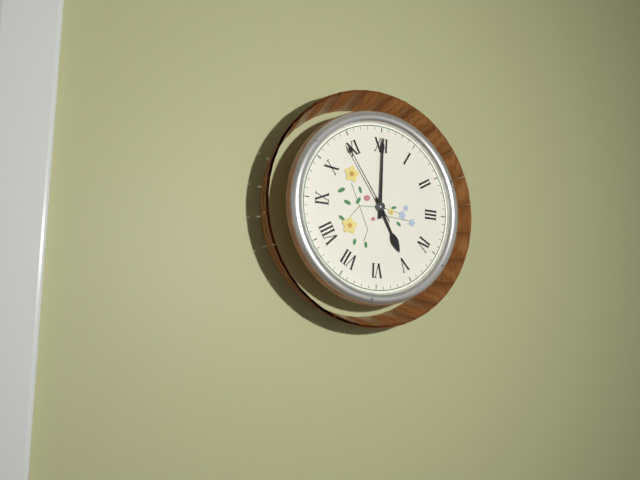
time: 5:00:54
